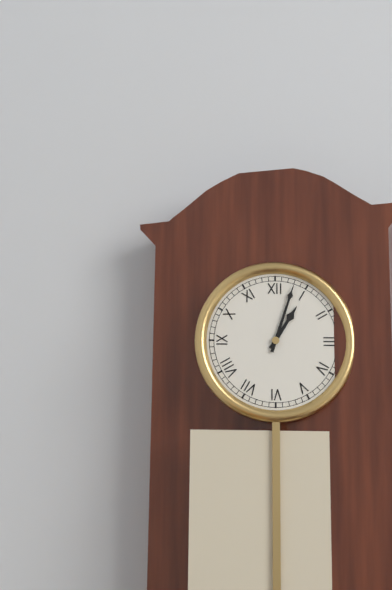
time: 1:03
